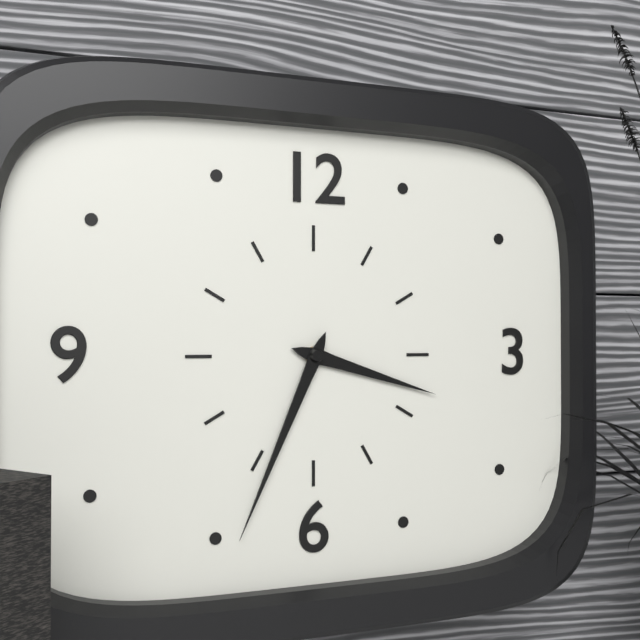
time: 3:34
